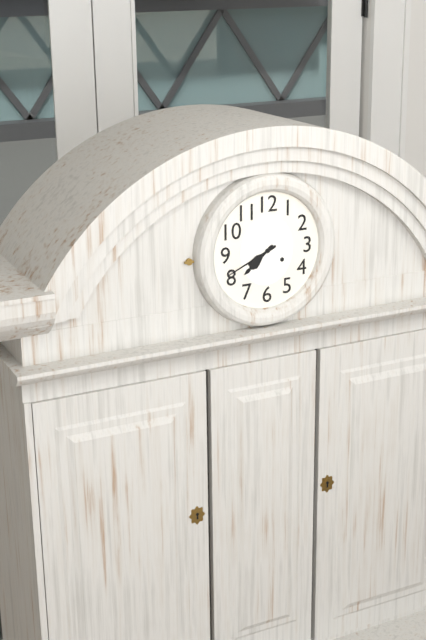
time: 7:41
